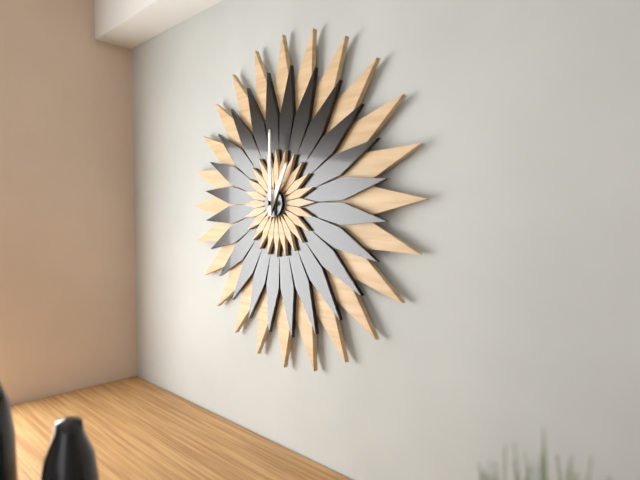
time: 1:00
